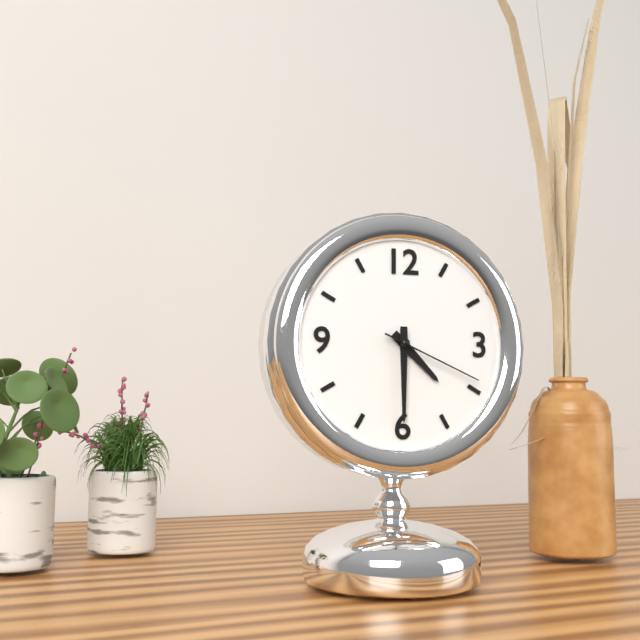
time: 4:30:19
